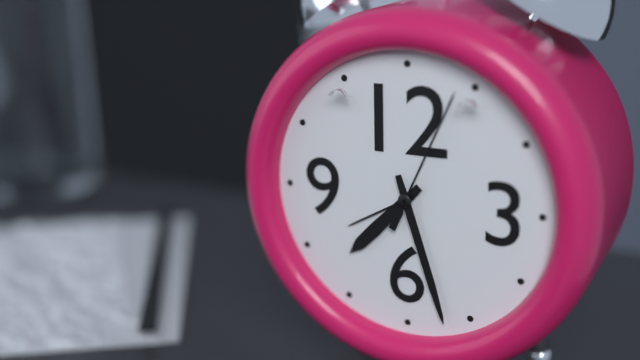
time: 7:27:04
